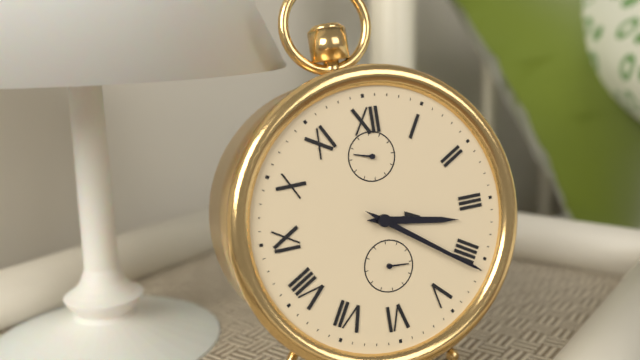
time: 3:21
